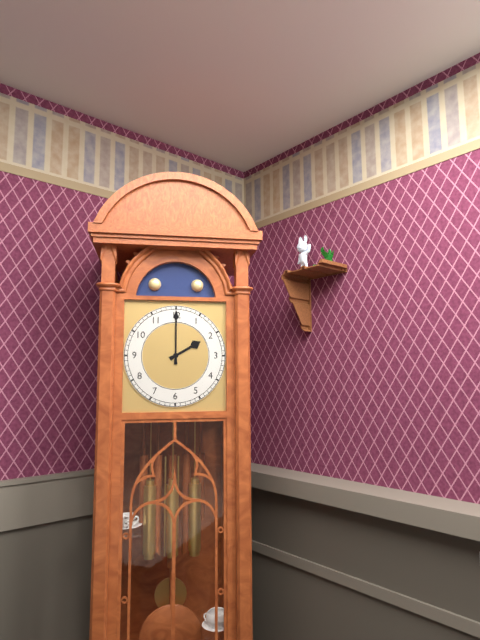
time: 2:00
